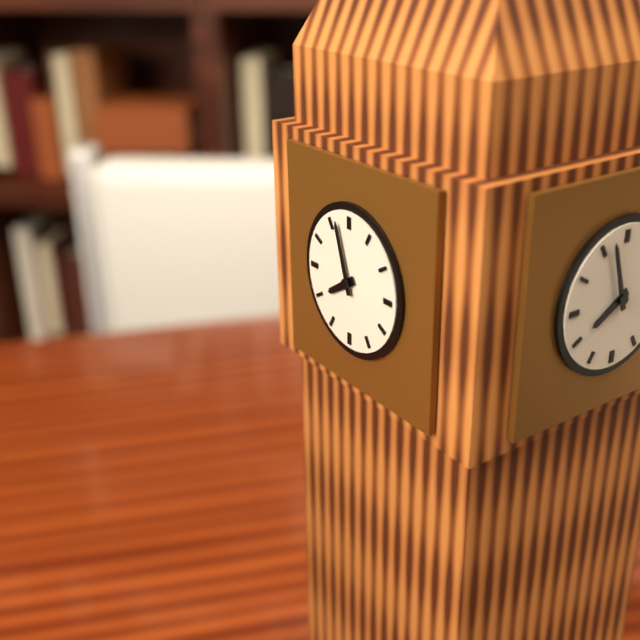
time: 7:57
